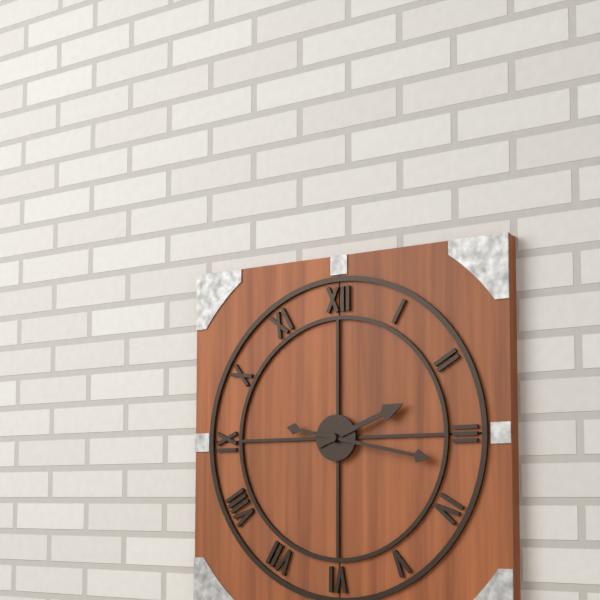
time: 2:17
